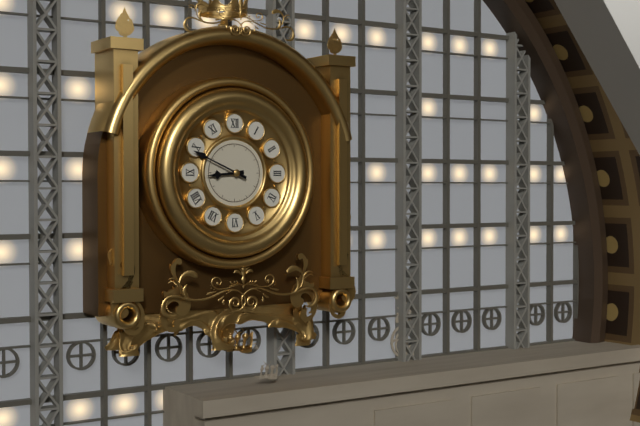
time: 8:49
